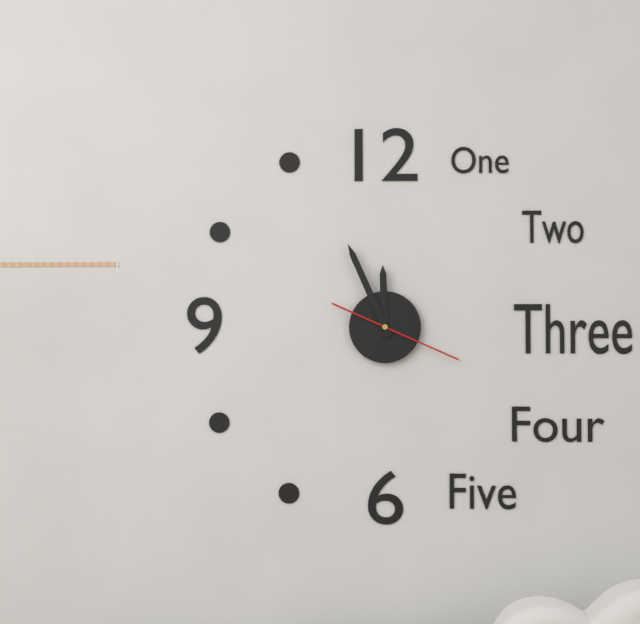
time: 11:56:19
